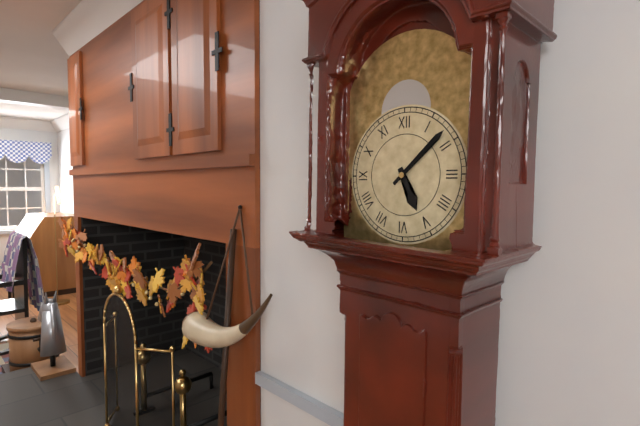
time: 5:08
